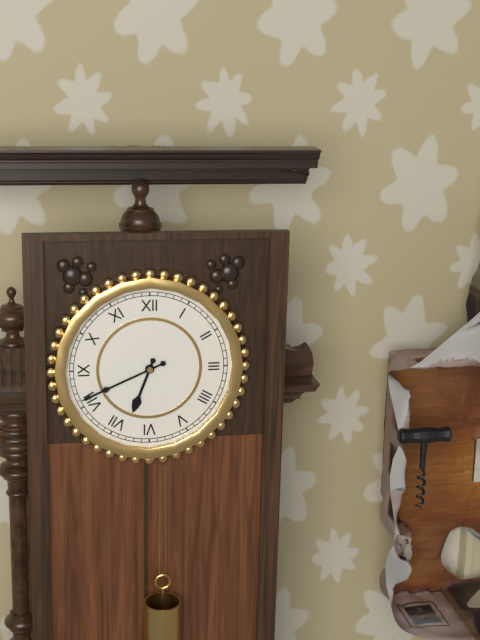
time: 6:41
